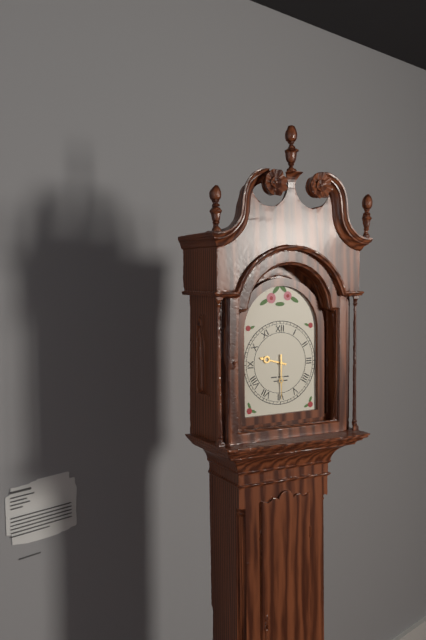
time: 9:30
